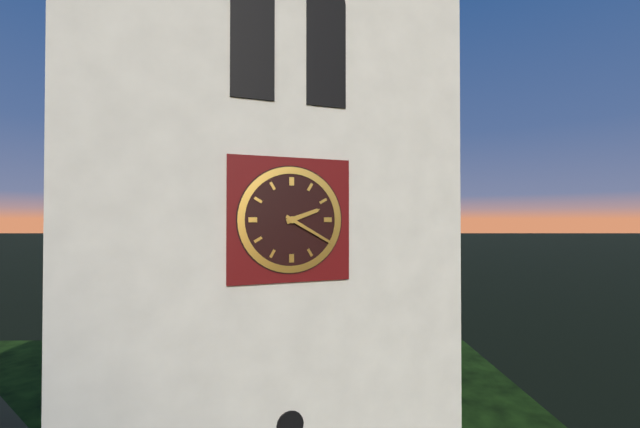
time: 2:20
